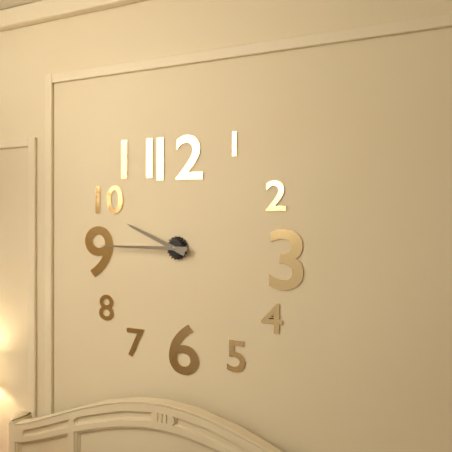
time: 9:45
